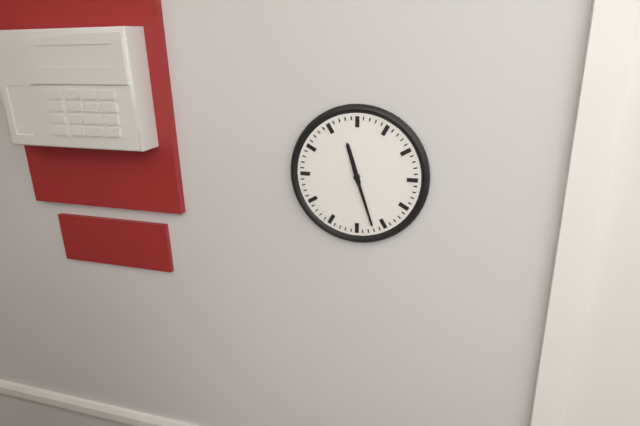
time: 11:27
